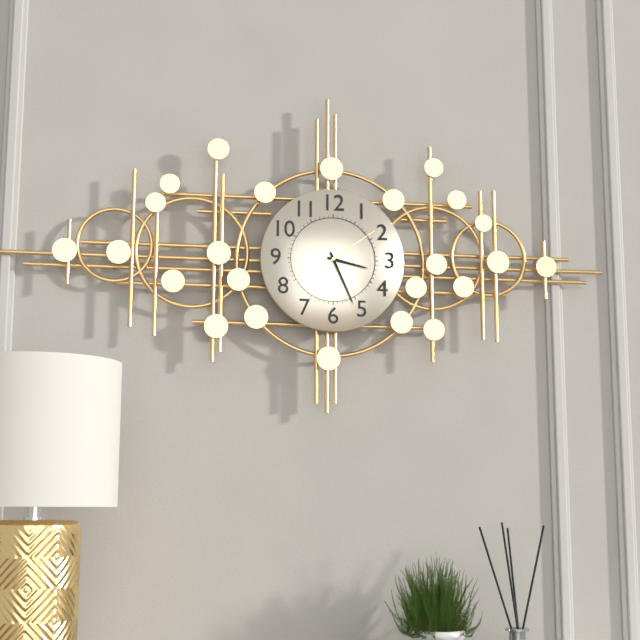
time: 3:26:09
